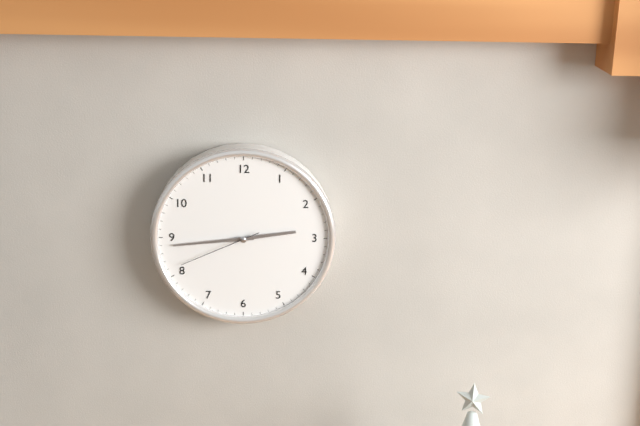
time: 2:44:41
